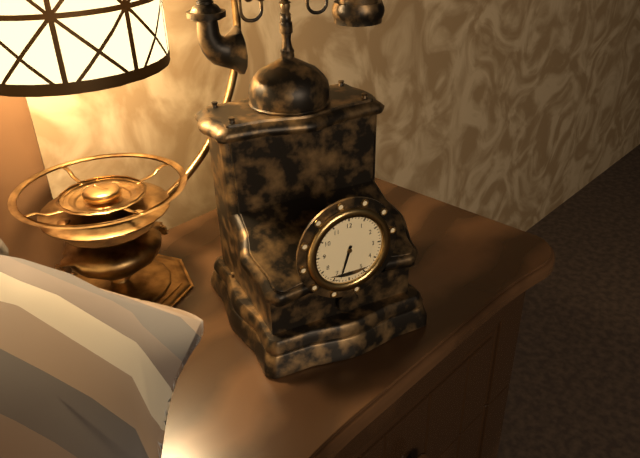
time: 6:33
